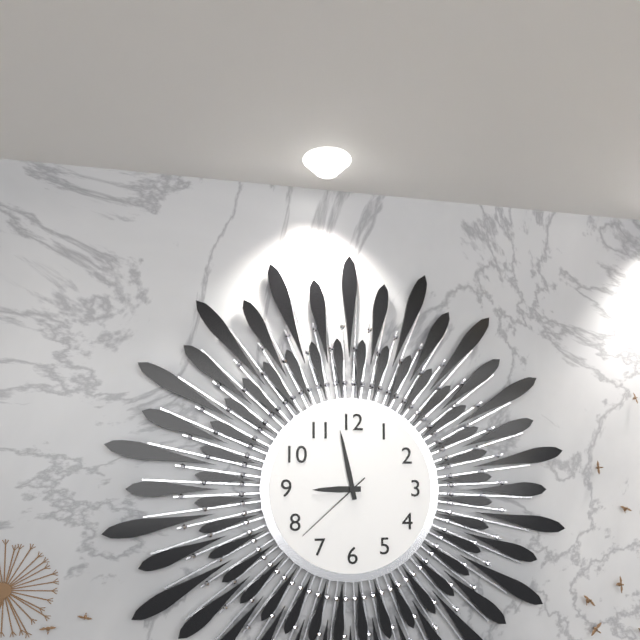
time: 8:58:38
